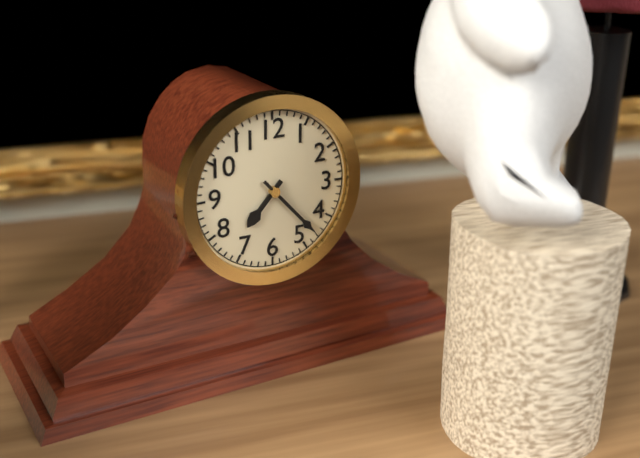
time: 7:23
